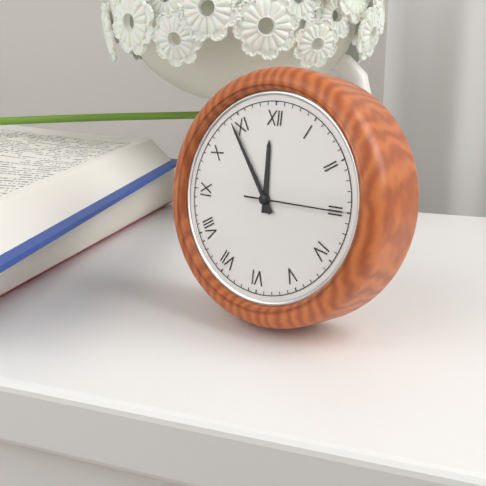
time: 11:54:15
